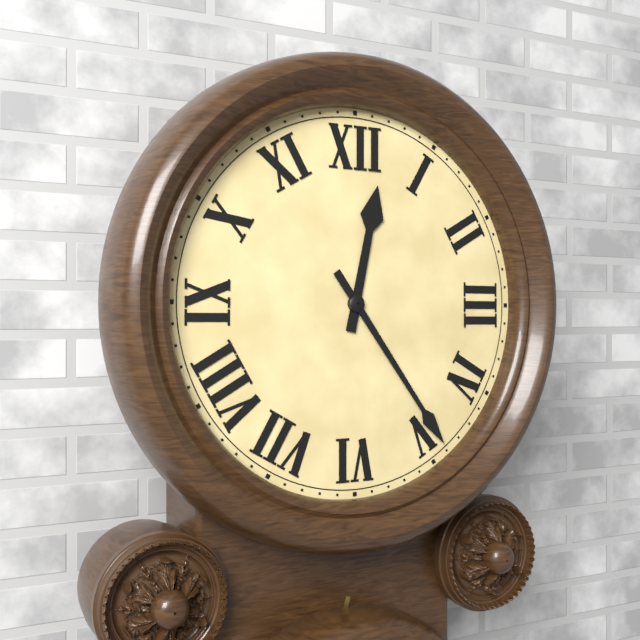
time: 12:24
